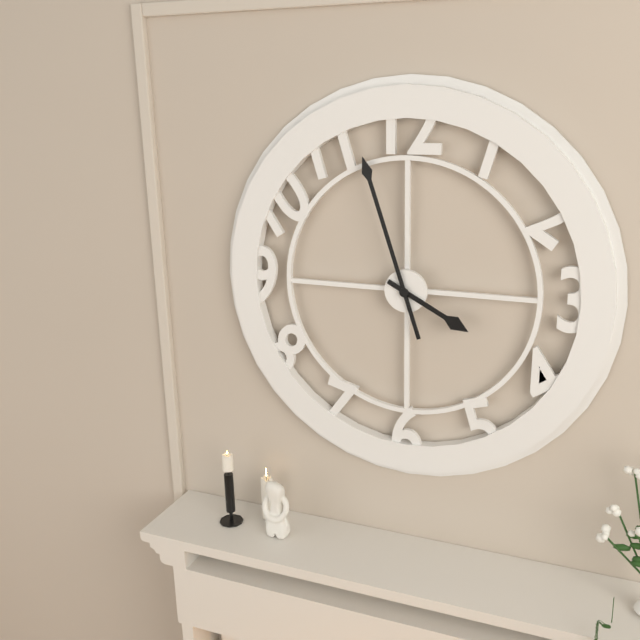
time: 3:57
